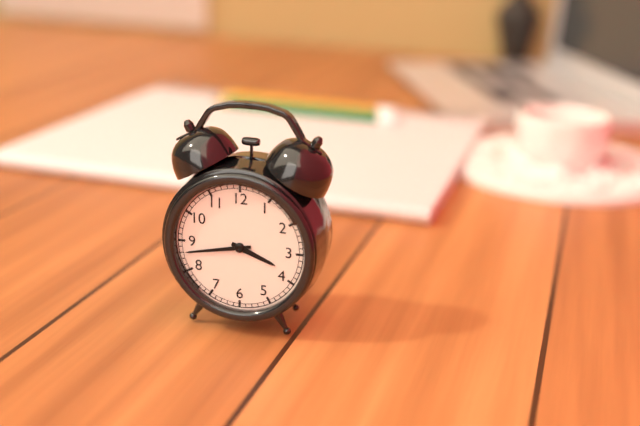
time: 3:43
